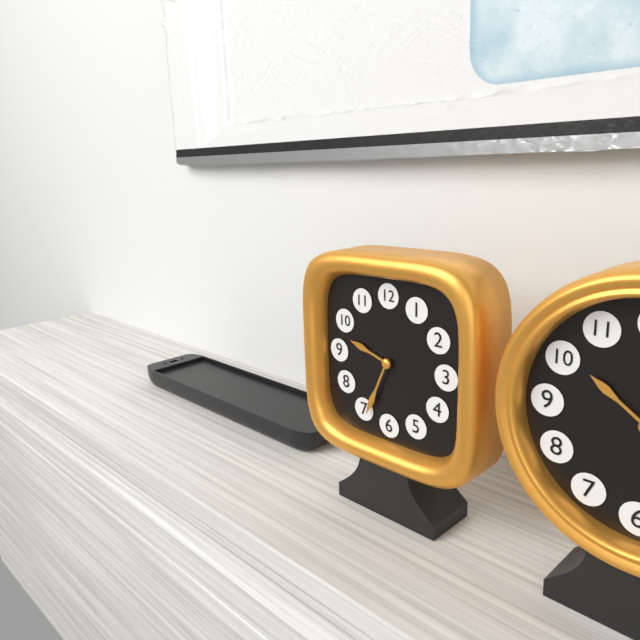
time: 9:34
